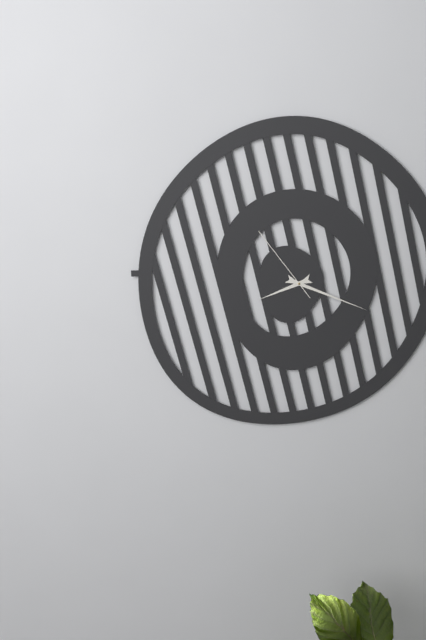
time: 8:19:54
